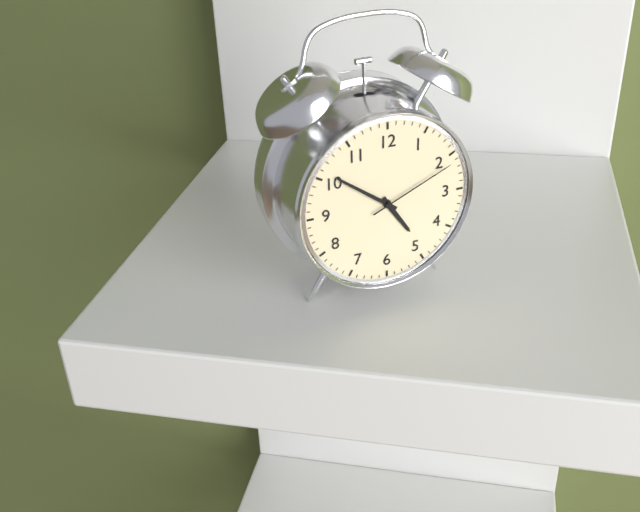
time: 4:51:11
